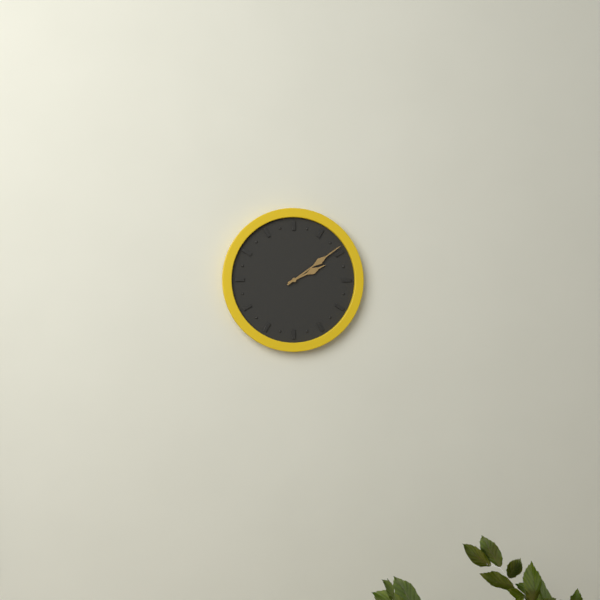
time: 2:09
